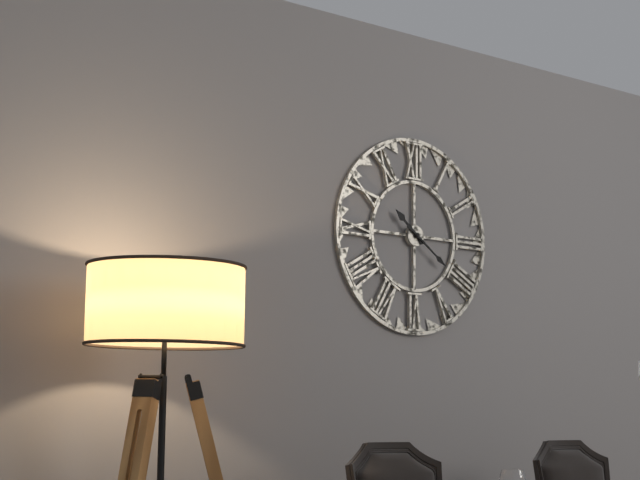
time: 10:21
